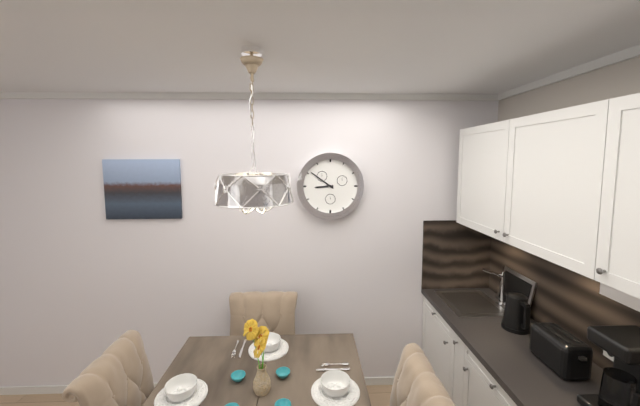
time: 8:51
